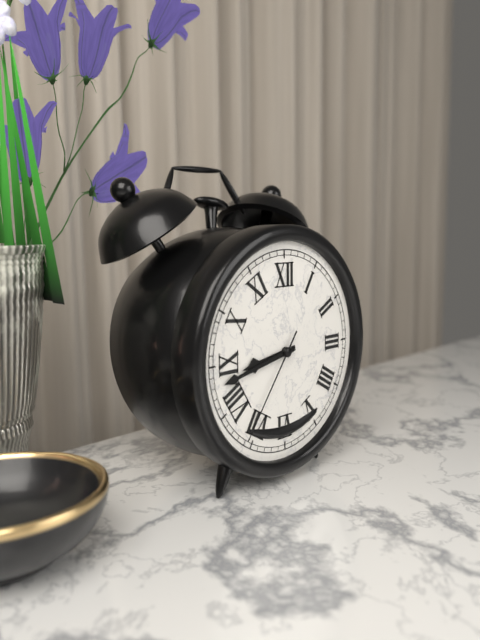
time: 8:43:36
